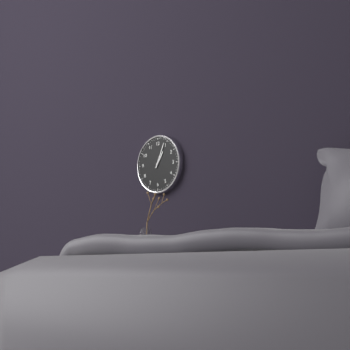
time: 1:04
